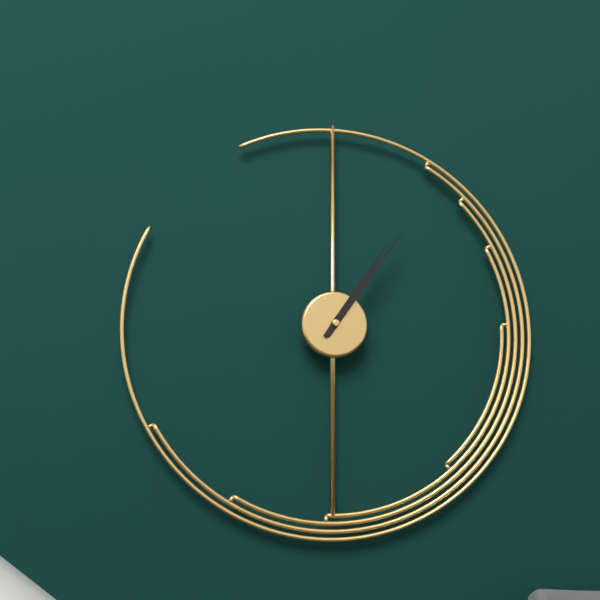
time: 1:06
